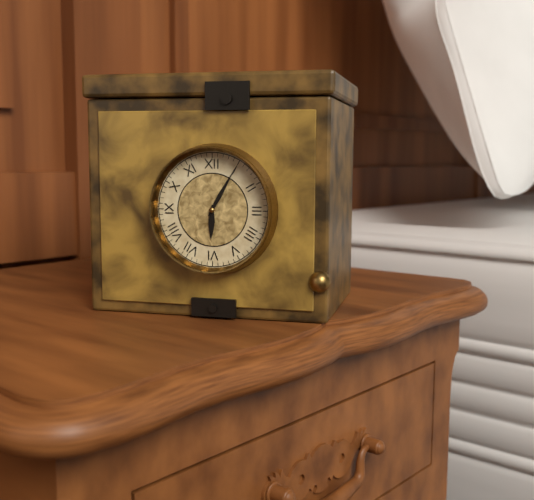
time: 6:05
